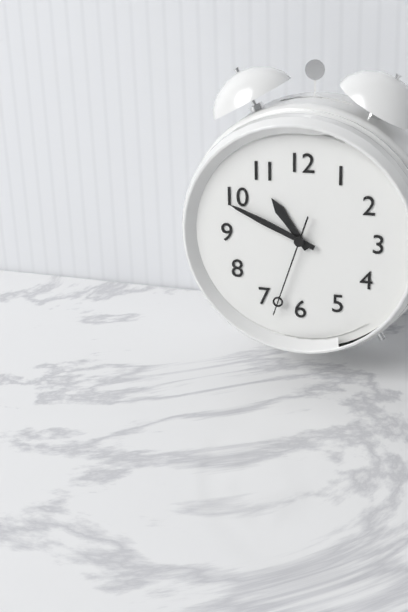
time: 10:49:33
